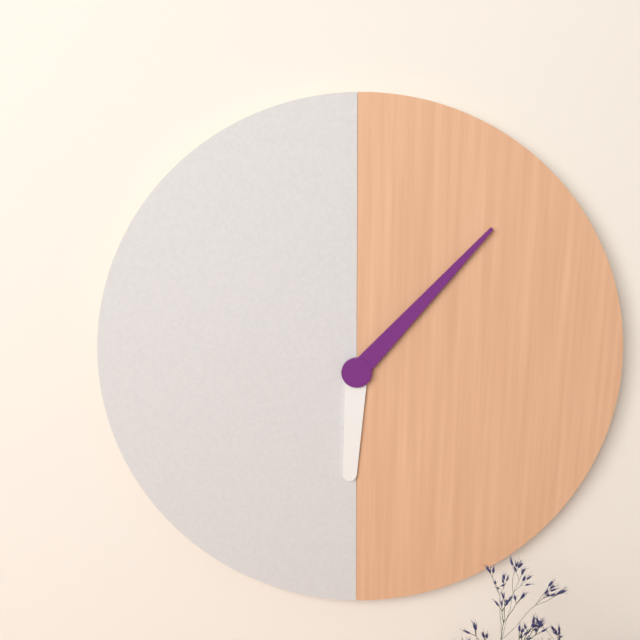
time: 6:07
